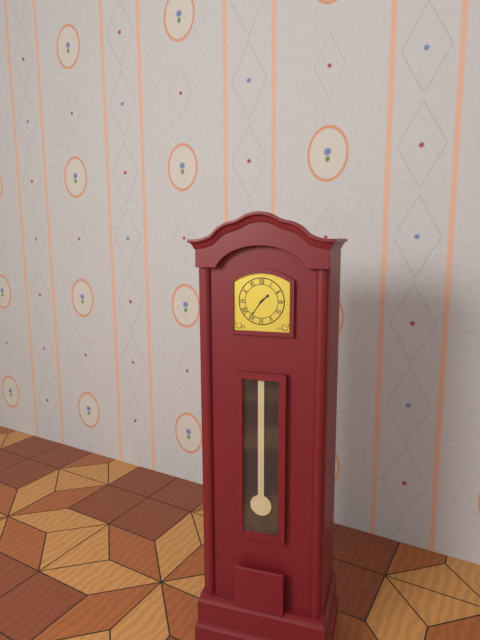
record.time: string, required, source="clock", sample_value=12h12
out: 1h36
